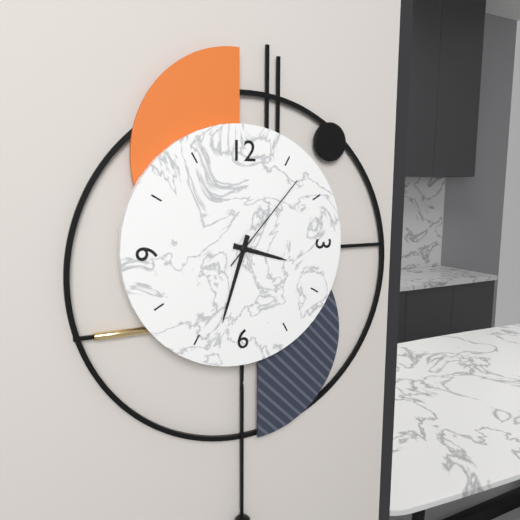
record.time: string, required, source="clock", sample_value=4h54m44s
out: 3h33m07s
